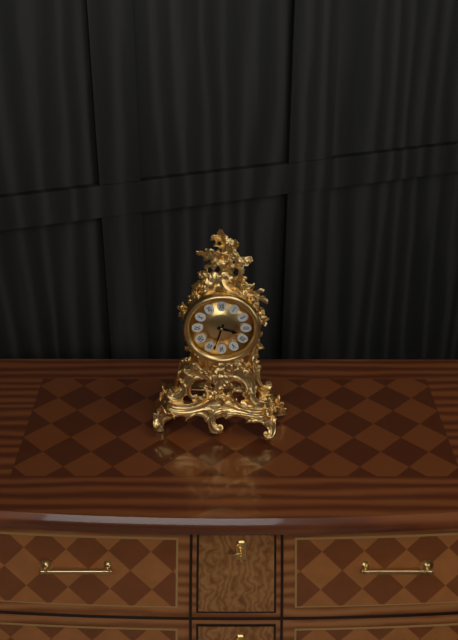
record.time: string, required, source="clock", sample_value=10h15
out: 3h33
